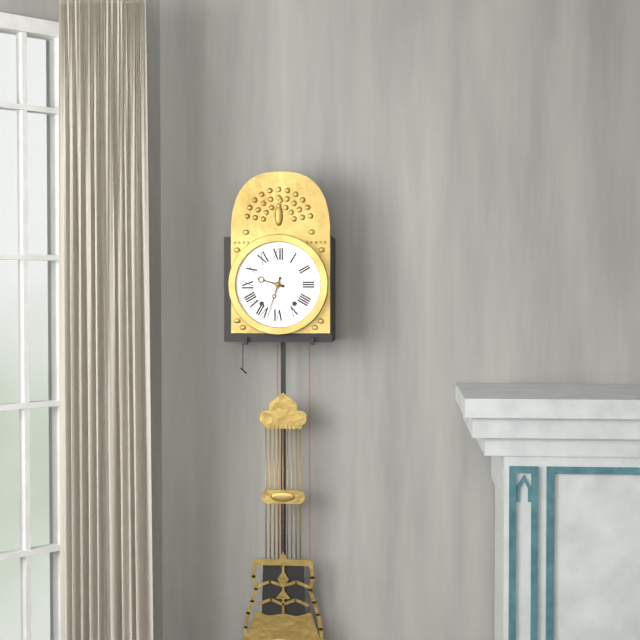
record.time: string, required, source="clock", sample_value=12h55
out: 9h33
